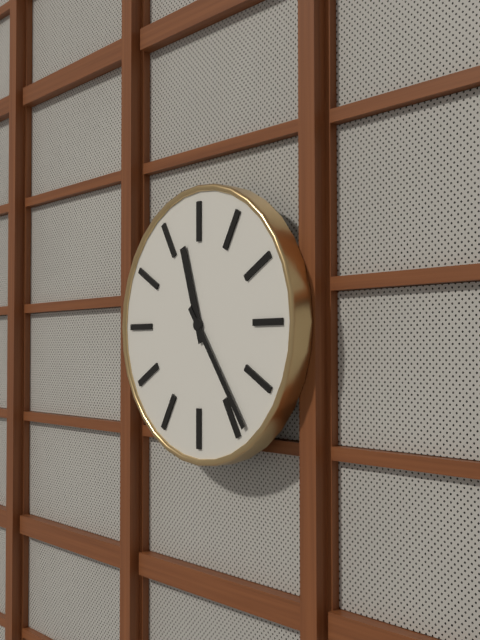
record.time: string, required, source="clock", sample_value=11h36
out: 11h24
